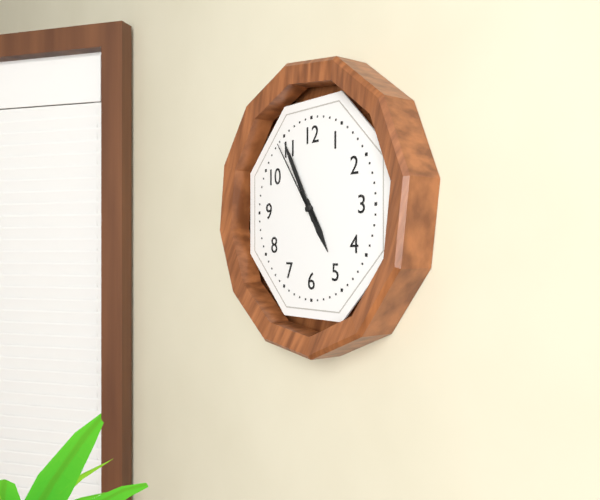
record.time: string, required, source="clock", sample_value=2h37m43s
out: 4h55m54s
